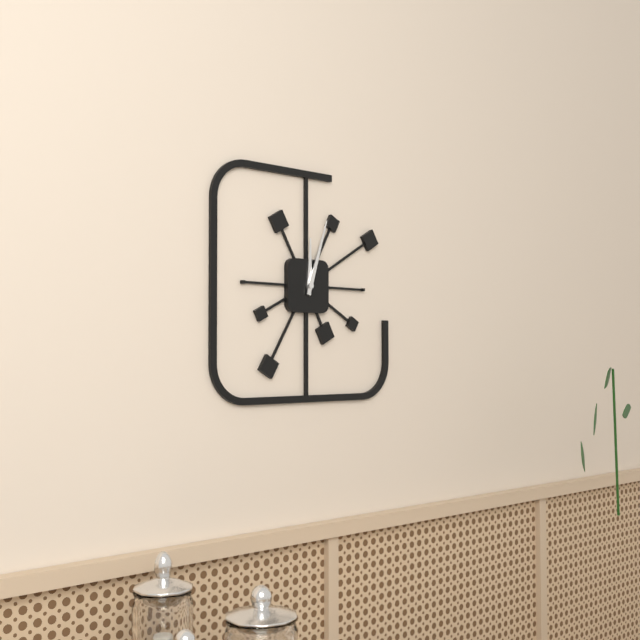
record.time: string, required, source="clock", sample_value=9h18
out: 12h03
